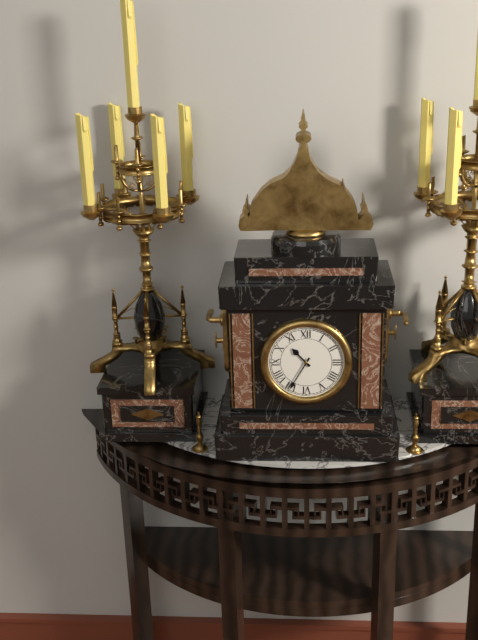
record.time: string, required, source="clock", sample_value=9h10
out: 10h35
